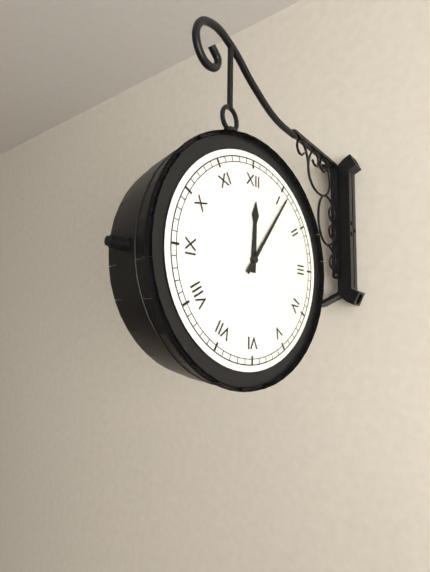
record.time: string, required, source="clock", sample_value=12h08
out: 12h06
